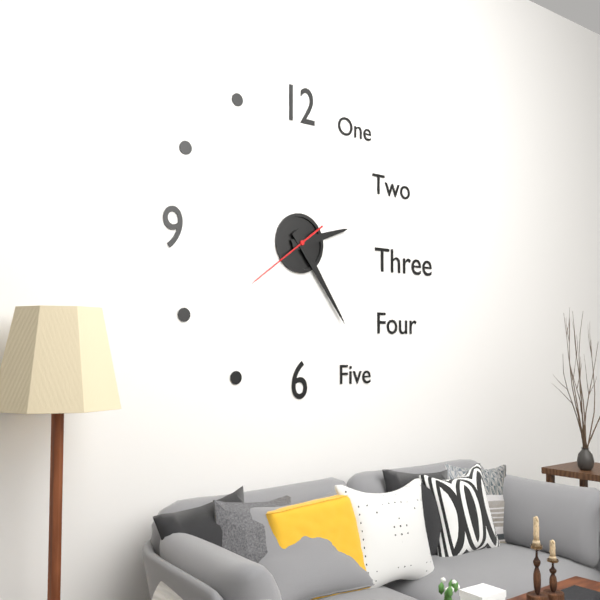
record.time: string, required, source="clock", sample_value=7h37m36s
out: 2h24m39s
